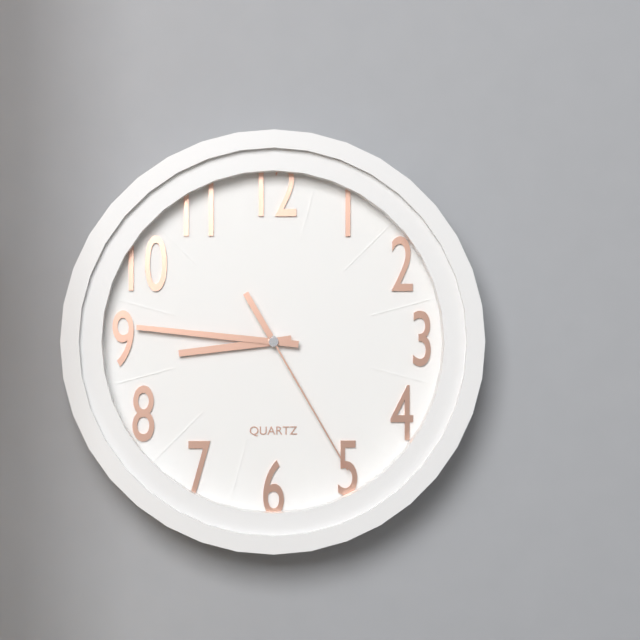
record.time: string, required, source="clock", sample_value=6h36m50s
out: 8h46m25s
